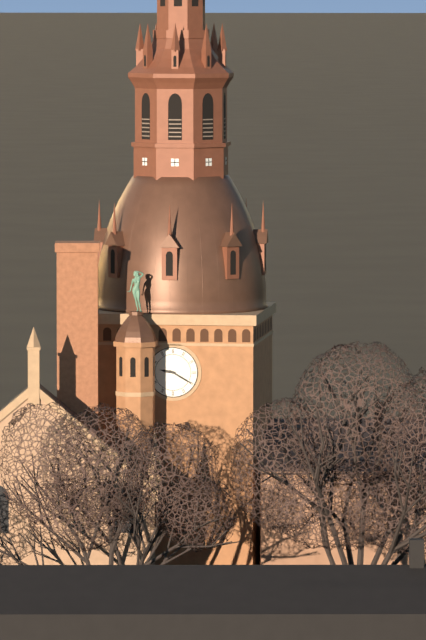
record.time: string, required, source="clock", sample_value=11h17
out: 9h20
